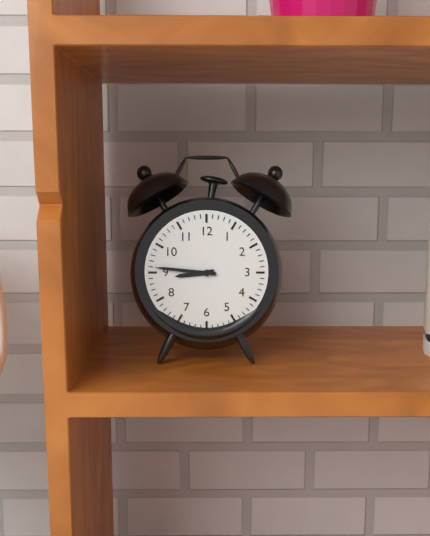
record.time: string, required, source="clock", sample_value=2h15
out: 8h46
